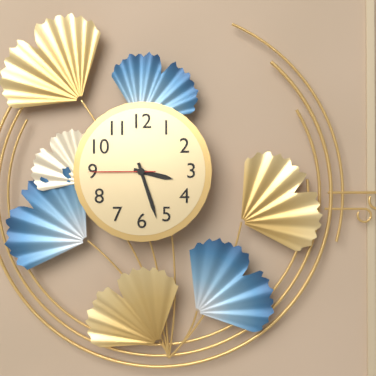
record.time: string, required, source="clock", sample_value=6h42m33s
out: 3h27m45s
